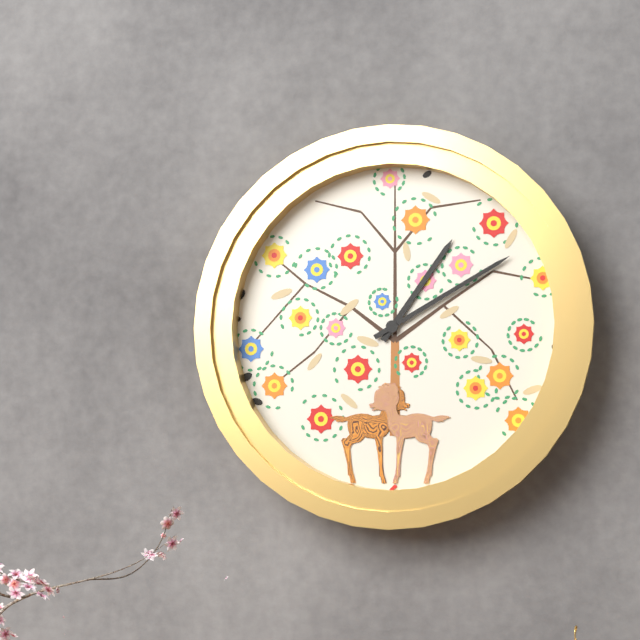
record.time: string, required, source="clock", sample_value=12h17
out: 1h10
